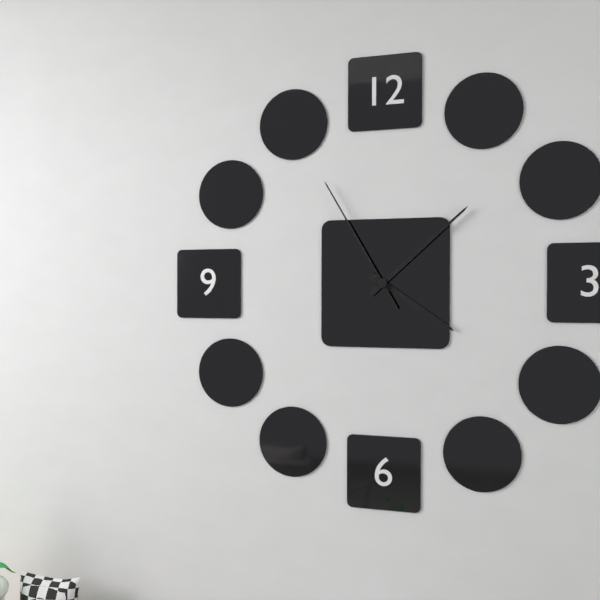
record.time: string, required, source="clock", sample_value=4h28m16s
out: 4h08m55s
